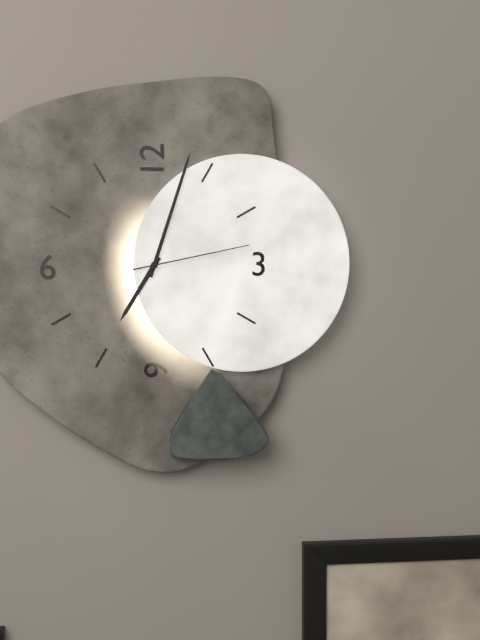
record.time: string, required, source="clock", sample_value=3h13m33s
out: 7h03m13s
